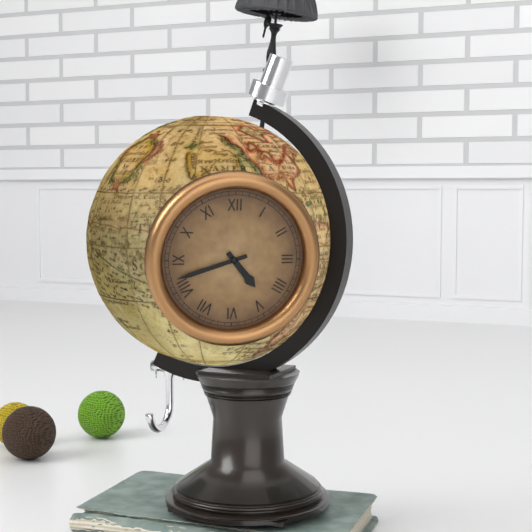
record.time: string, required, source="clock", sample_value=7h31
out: 4h42
